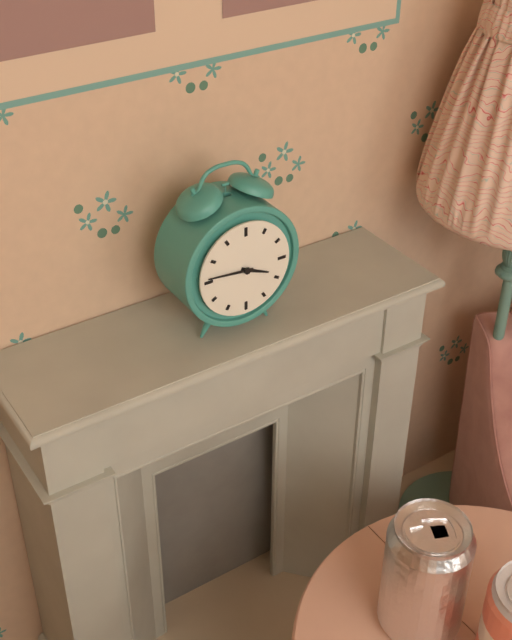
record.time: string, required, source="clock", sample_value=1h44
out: 3h46
